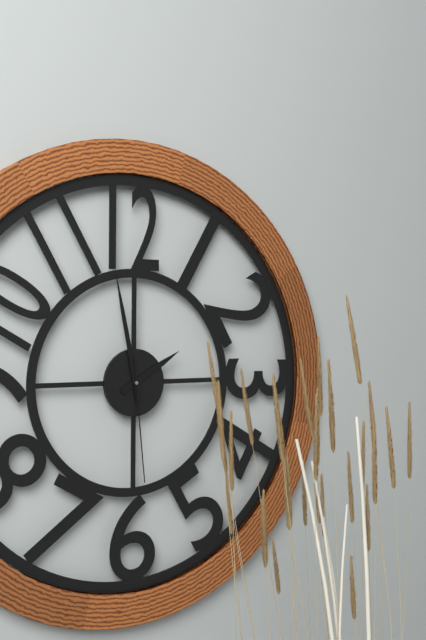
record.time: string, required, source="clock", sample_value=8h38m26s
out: 1h58m29s
